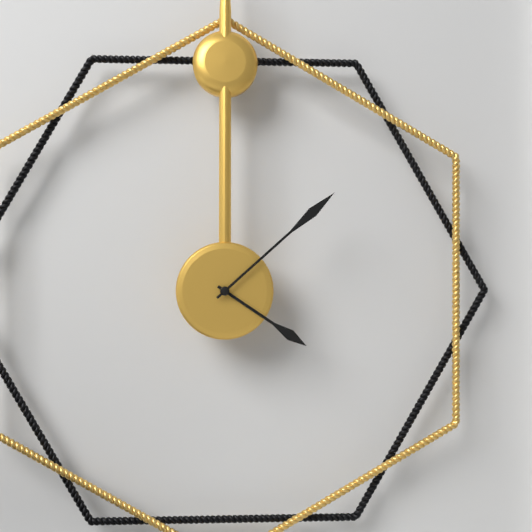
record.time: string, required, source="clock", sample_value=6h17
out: 4h08
